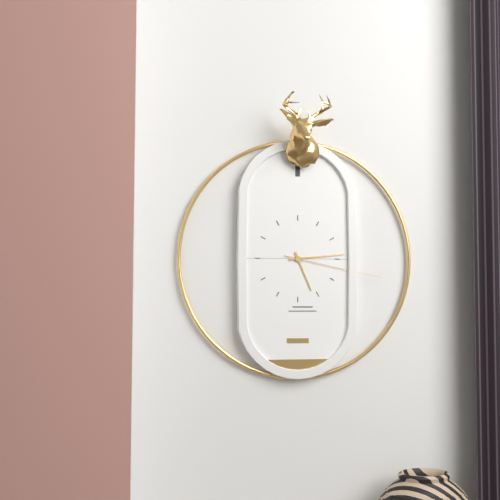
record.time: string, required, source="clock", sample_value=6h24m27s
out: 5h14m17s
